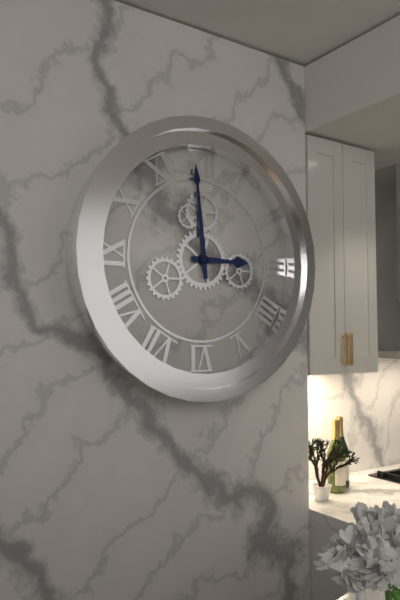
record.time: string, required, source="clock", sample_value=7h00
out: 2h59
